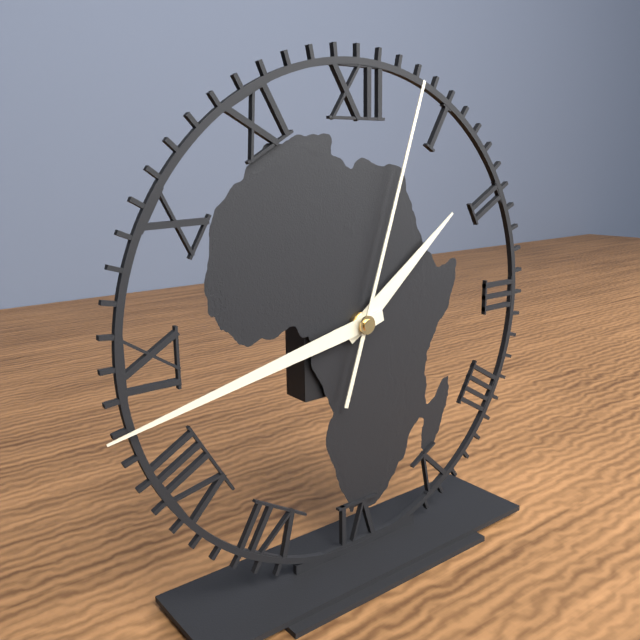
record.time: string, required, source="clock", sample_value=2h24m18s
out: 1h43m03s
